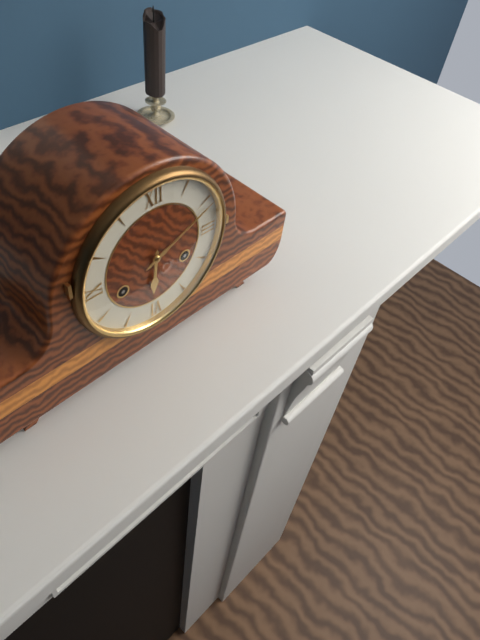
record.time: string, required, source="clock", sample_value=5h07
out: 6h11
